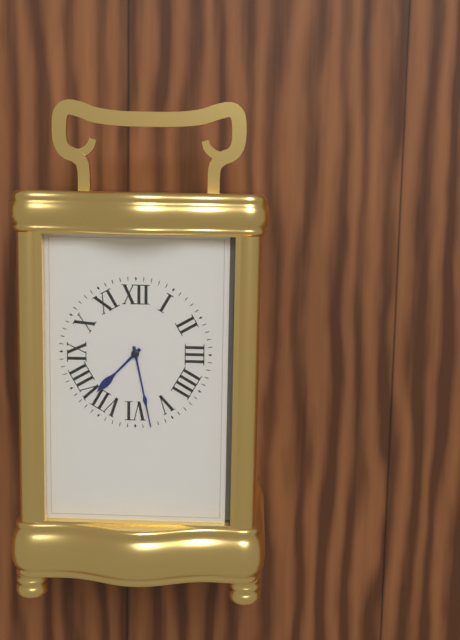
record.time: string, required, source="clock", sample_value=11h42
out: 7h28
